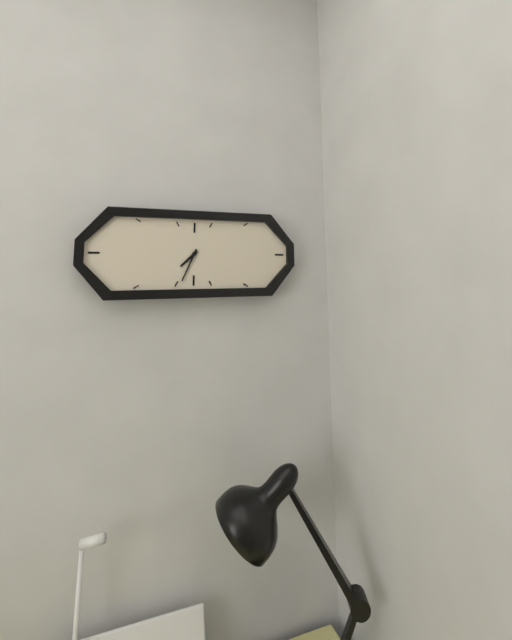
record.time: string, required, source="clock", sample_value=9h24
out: 7h34
